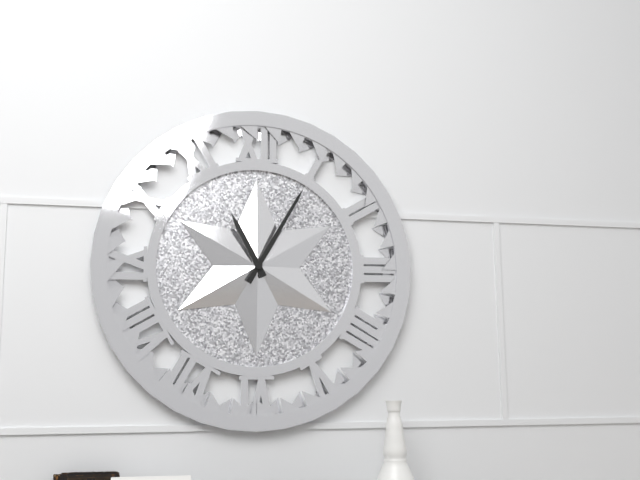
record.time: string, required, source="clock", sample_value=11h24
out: 11h05
